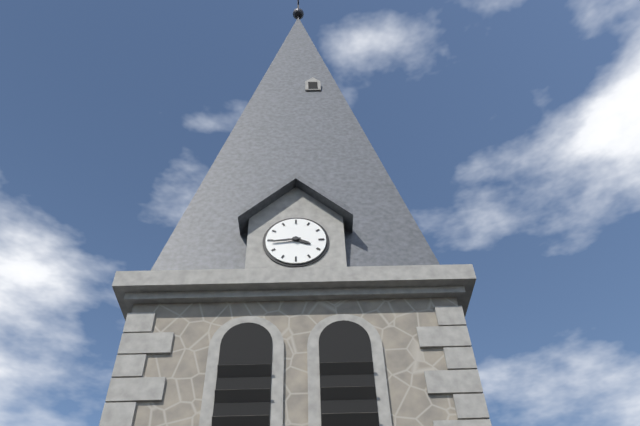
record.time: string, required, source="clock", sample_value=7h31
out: 3h44
